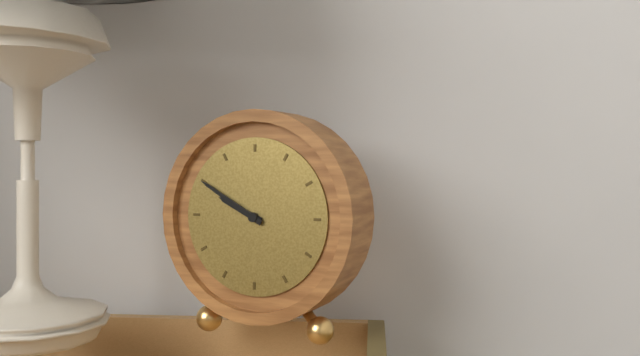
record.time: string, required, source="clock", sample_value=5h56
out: 9h50
